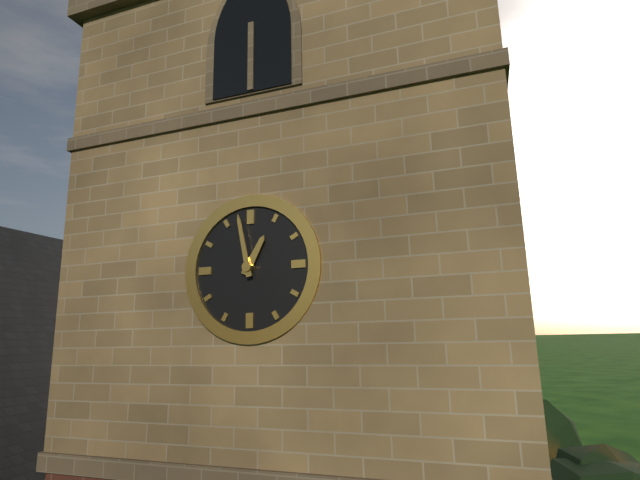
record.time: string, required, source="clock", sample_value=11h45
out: 12h58
